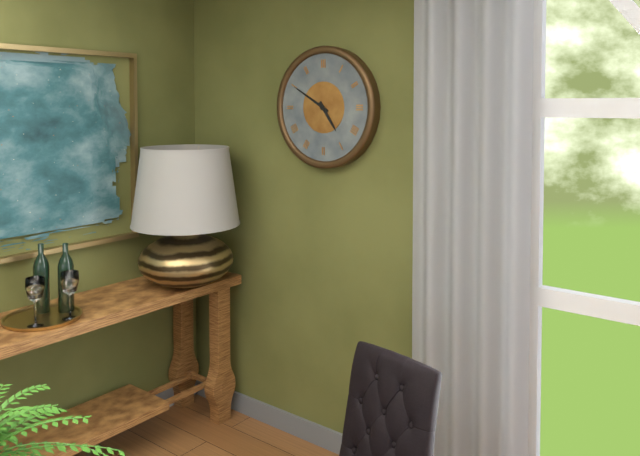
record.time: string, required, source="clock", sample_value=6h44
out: 4h50
